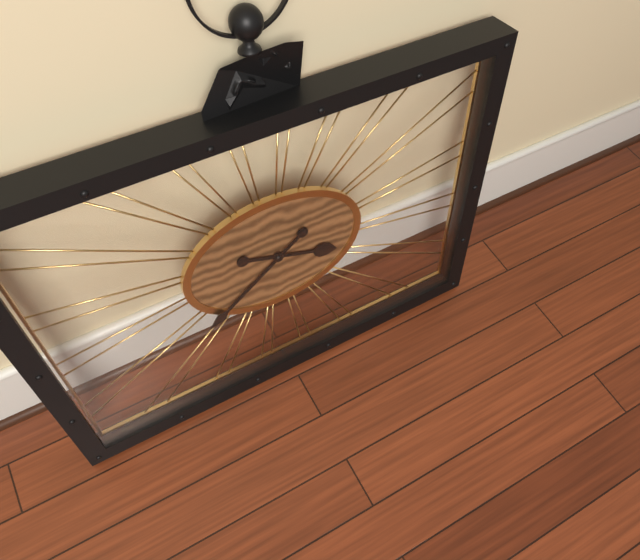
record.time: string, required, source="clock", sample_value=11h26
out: 3h39
